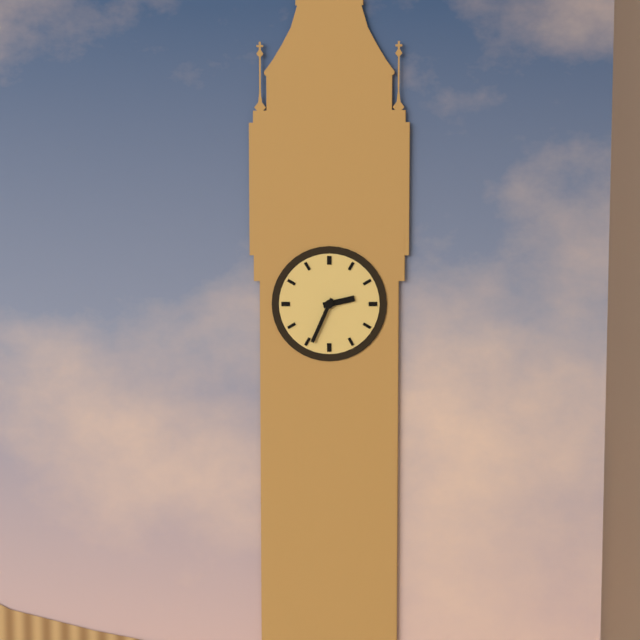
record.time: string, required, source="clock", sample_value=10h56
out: 2h34
